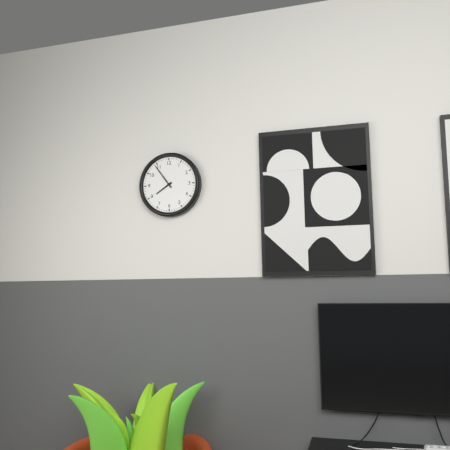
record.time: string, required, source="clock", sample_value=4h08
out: 7h54
